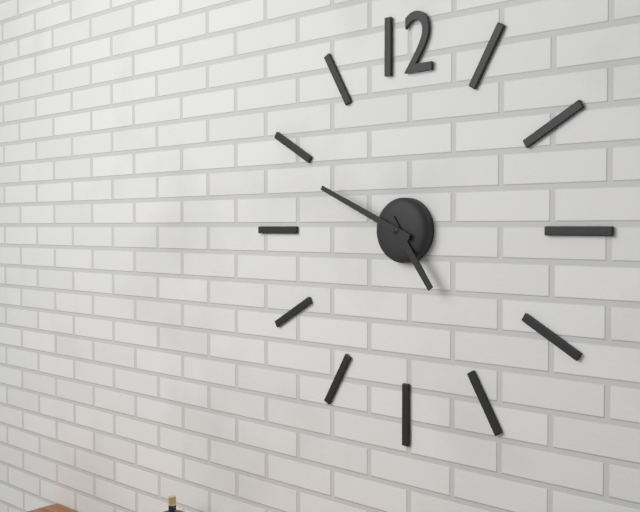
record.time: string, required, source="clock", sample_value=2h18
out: 4h49
